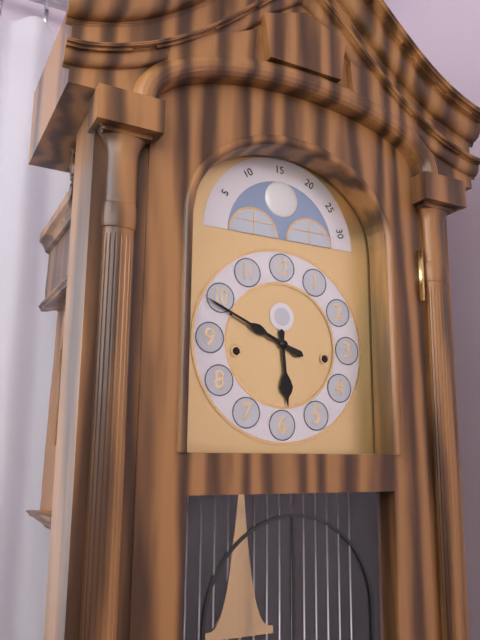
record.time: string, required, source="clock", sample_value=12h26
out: 5h49
